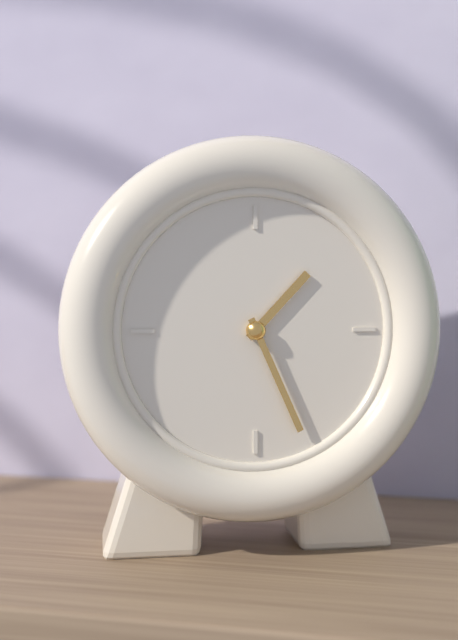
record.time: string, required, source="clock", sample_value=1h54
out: 1h26
